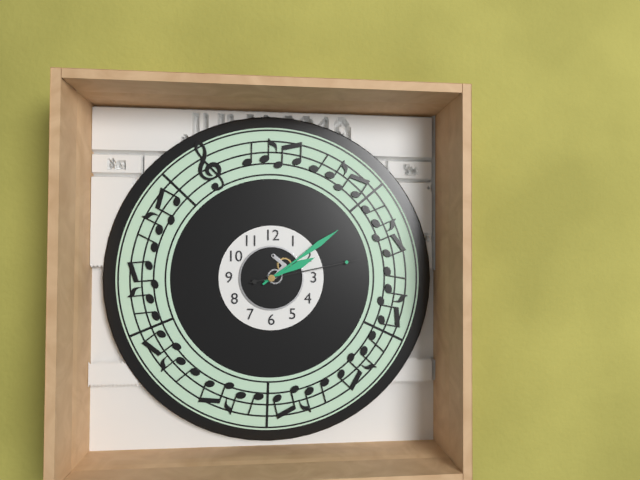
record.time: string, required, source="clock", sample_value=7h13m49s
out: 2h09m13s
